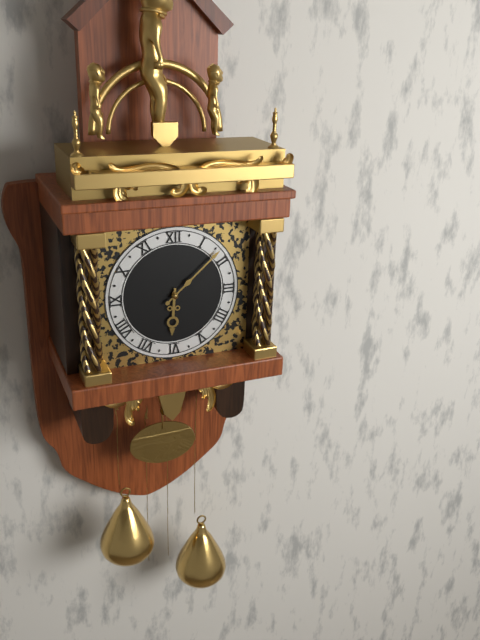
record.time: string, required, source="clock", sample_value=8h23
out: 6h08
